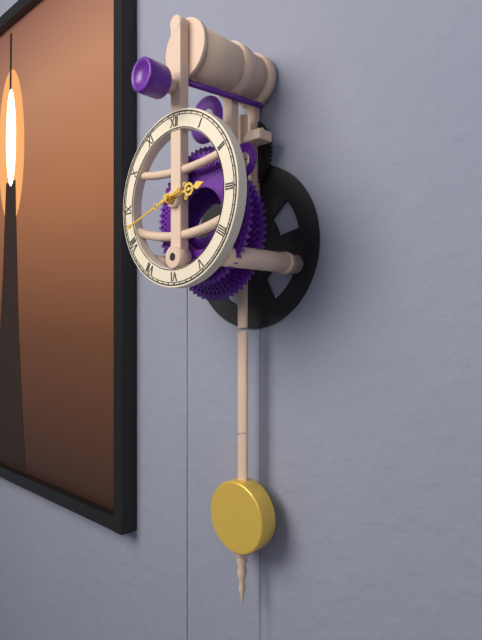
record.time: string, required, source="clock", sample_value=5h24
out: 2h42
